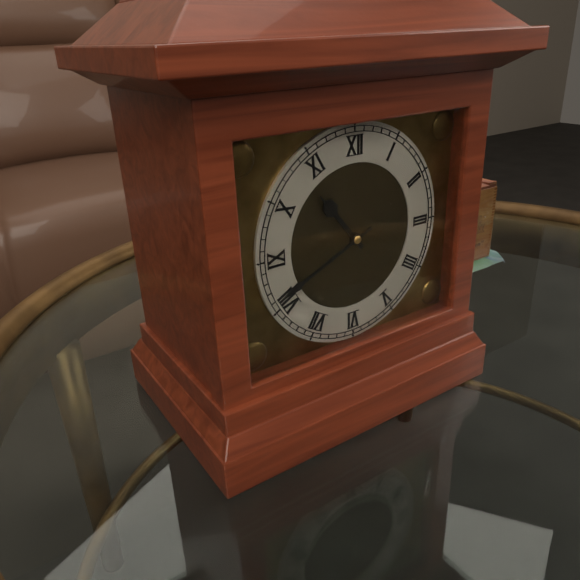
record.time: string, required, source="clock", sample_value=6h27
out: 10h41
